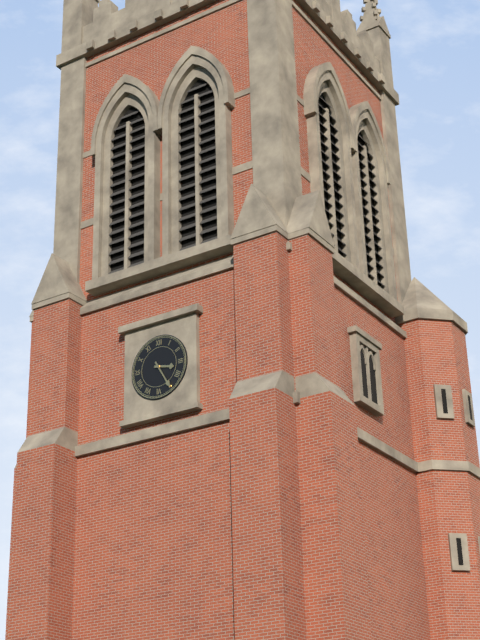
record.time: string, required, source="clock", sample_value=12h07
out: 3h25
